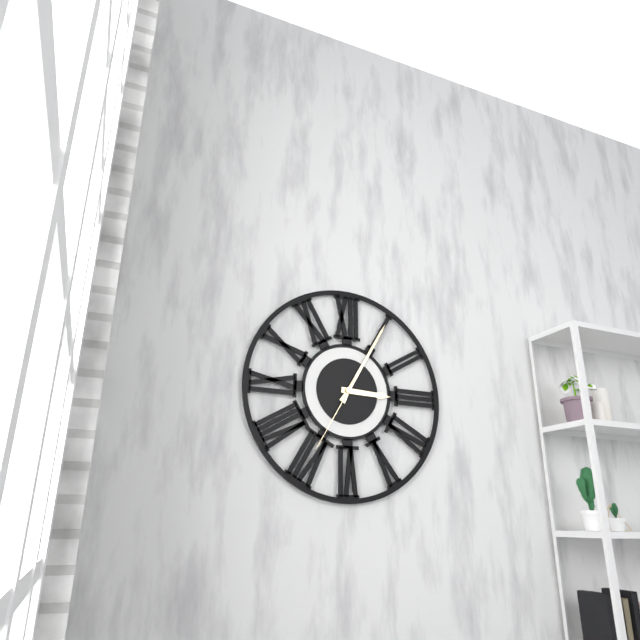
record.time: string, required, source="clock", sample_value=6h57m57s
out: 3h05m35s
